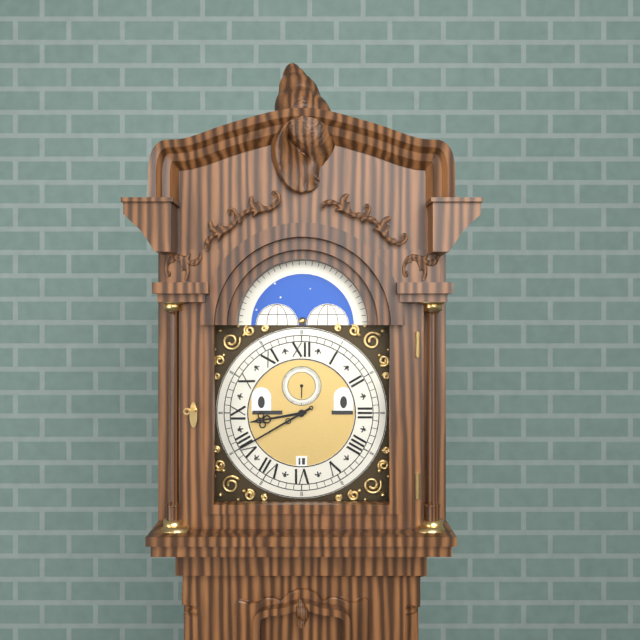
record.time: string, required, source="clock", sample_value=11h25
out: 8h40
